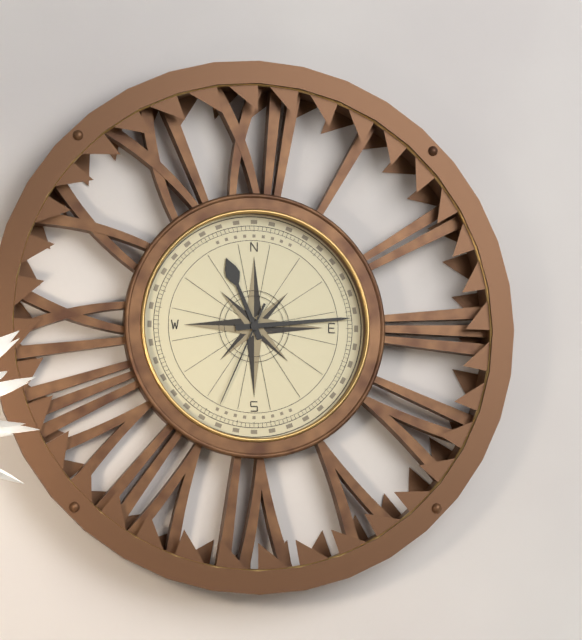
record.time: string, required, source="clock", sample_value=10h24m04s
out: 11h14m34s
